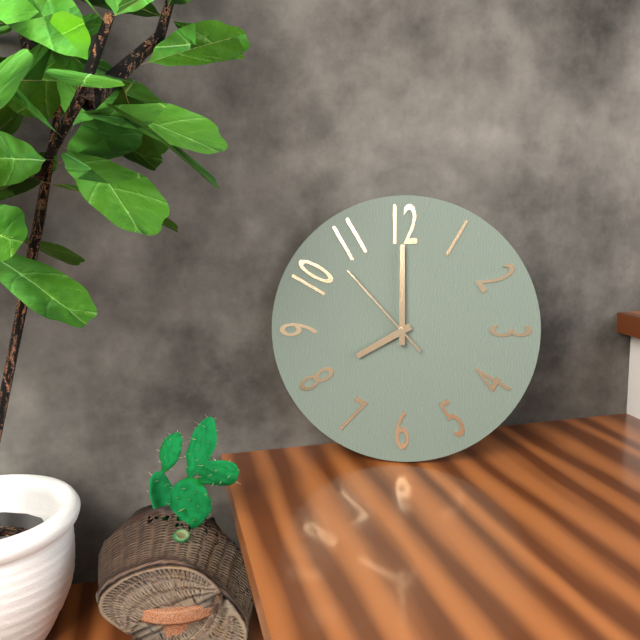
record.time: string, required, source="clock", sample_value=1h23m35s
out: 8h00m53s
